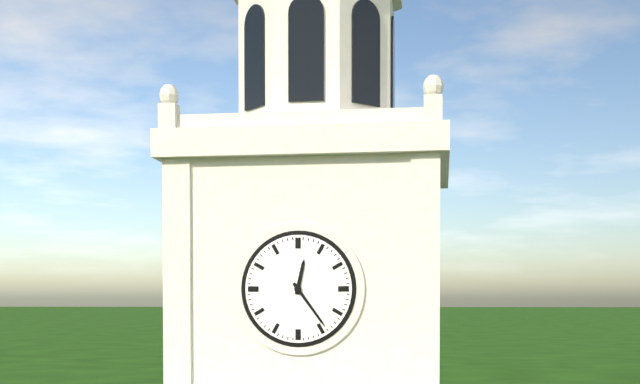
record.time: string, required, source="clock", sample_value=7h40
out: 12h24
